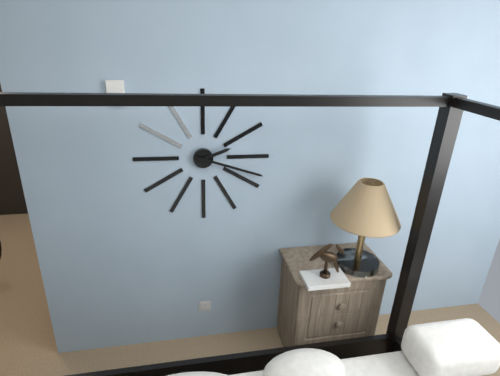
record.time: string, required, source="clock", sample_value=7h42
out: 2h18
